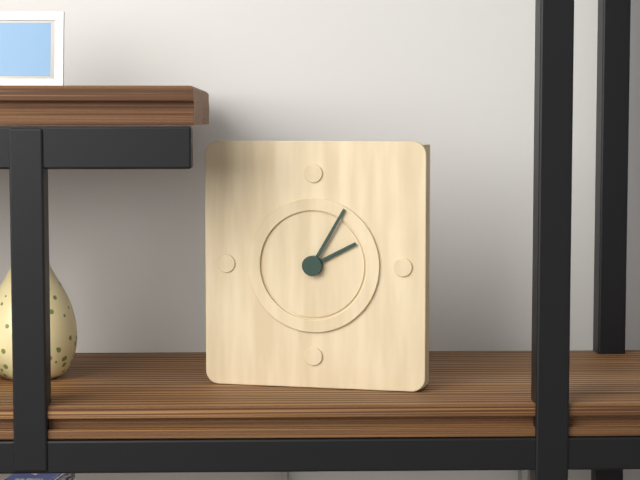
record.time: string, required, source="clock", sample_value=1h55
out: 2h05
